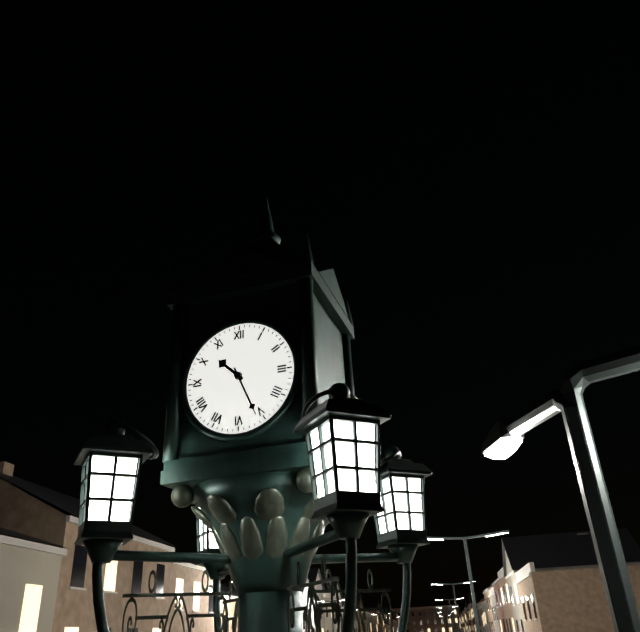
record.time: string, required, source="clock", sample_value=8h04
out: 10h26
